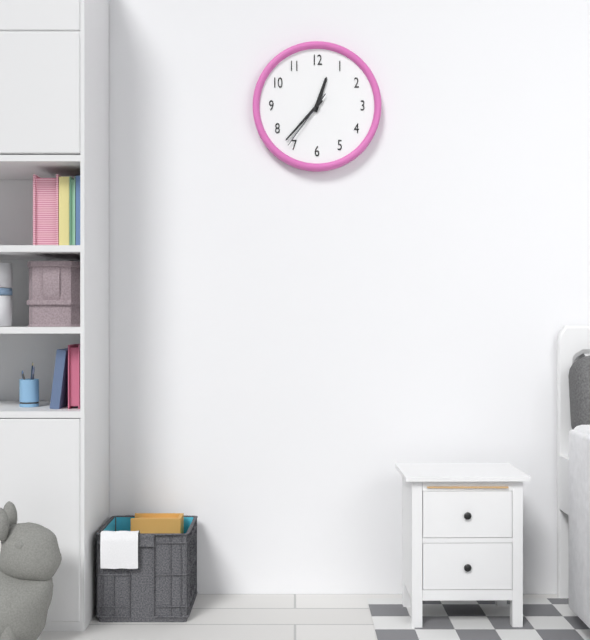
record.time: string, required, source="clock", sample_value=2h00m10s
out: 12h37m36s
